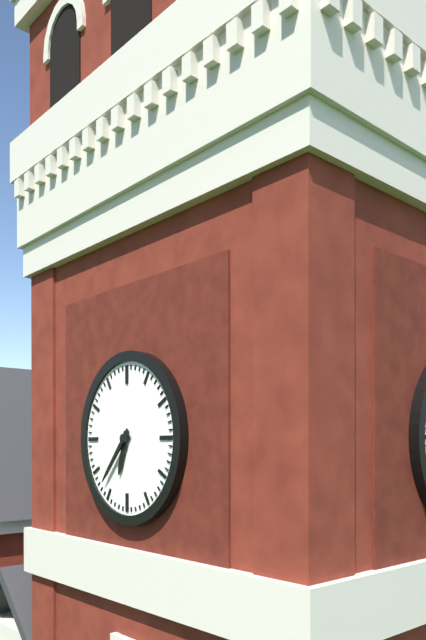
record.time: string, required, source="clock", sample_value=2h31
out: 6h37
